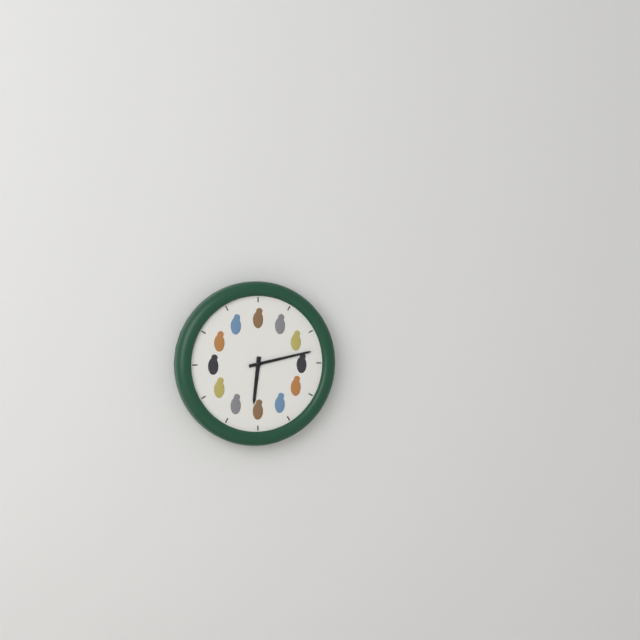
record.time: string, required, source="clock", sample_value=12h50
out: 6h13
